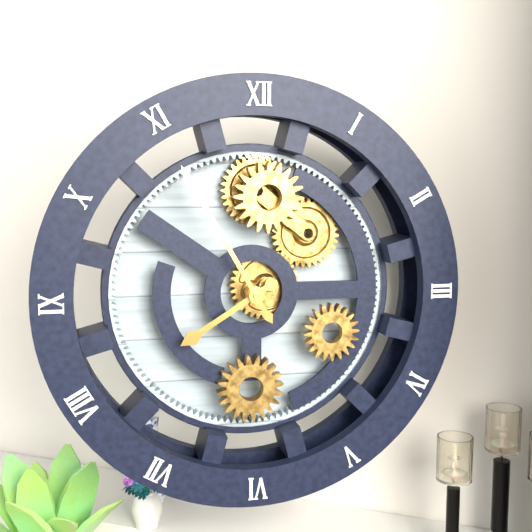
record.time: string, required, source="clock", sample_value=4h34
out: 7h55
